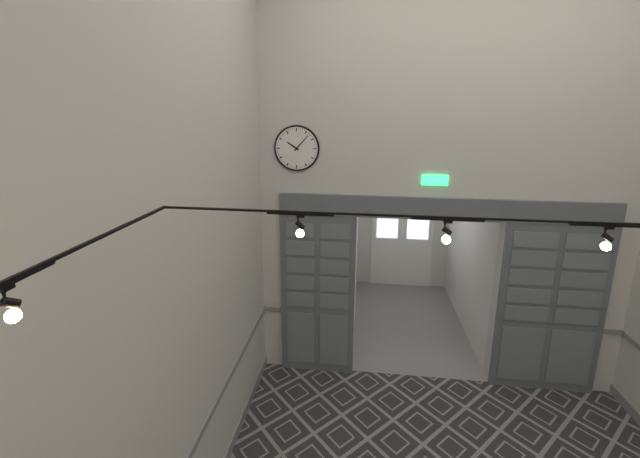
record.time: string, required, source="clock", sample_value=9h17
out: 10h07
